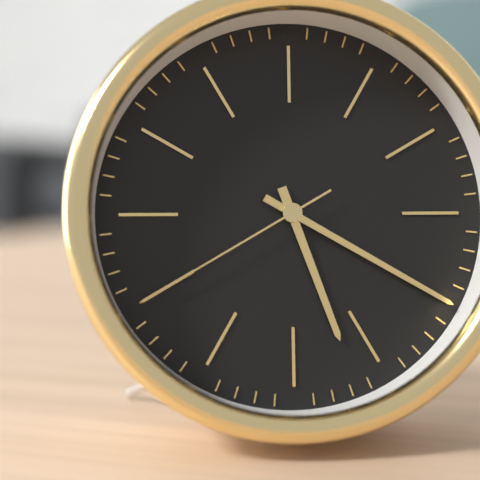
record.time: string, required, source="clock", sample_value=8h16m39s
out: 5h20m40s
